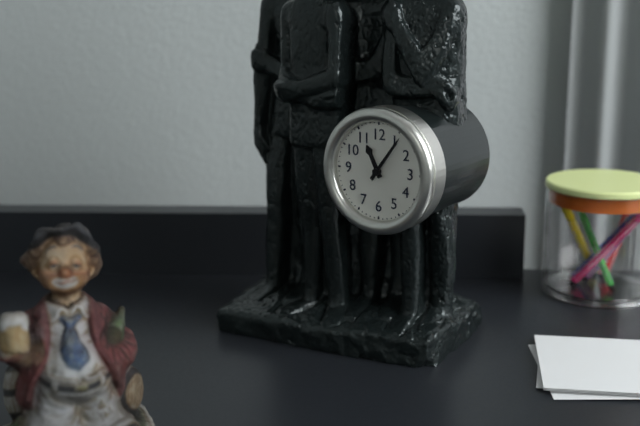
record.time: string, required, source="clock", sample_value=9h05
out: 11h06
